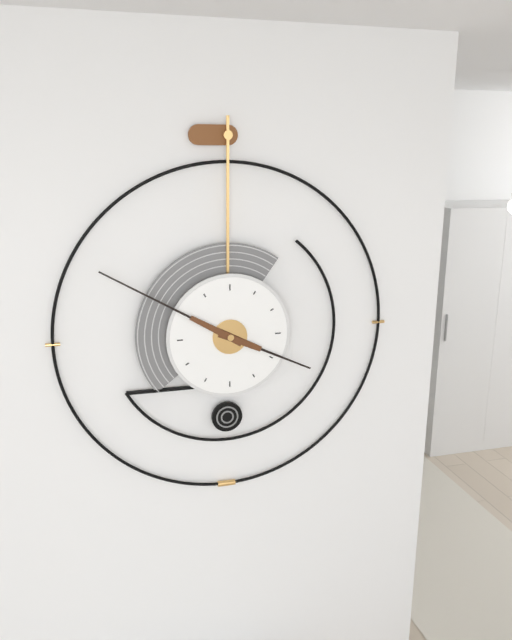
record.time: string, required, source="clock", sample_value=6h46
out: 3h50
